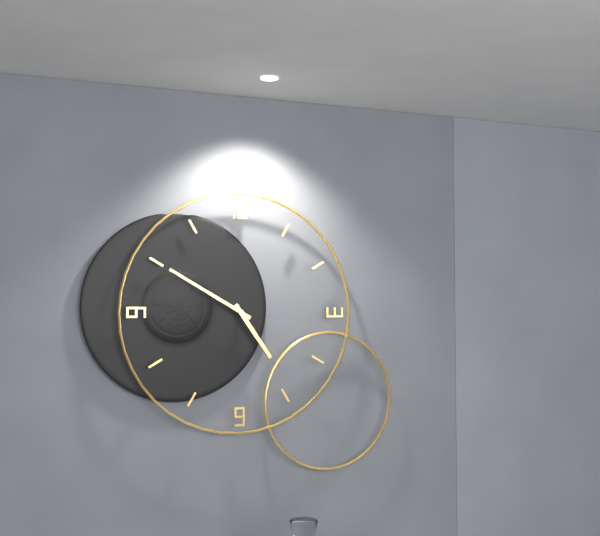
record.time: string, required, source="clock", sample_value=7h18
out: 4h50
